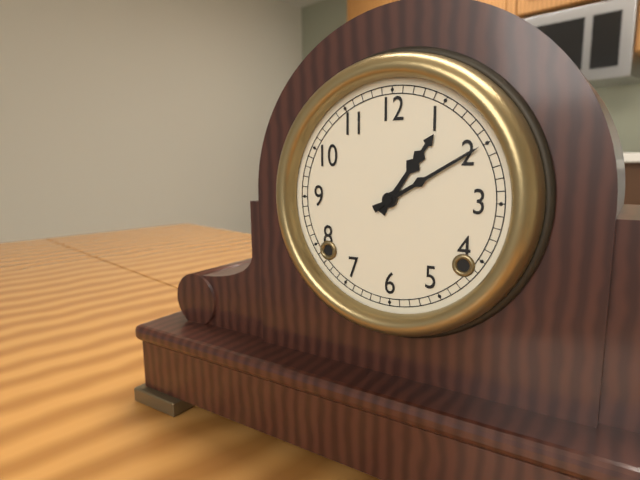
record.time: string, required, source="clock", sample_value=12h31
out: 1h10
